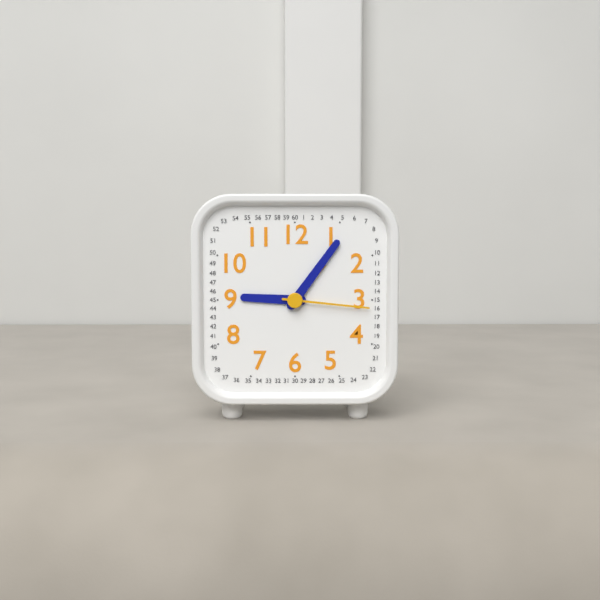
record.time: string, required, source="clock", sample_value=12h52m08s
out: 9h06m16s
